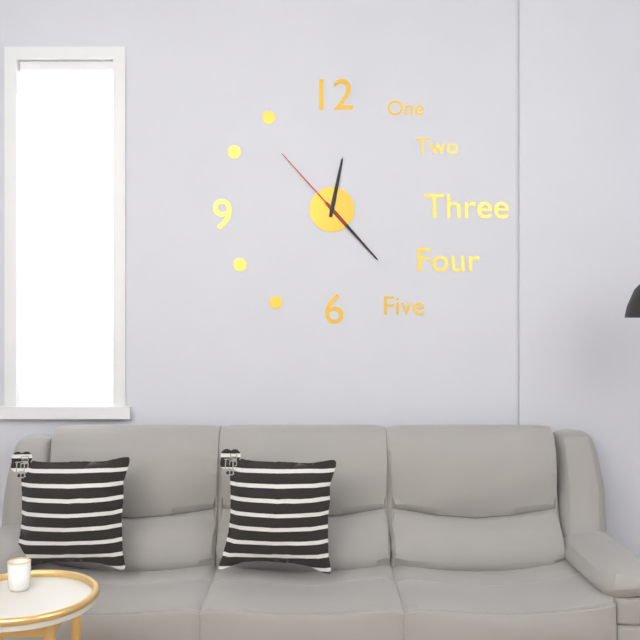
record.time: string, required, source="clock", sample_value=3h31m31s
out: 12h23m53s
